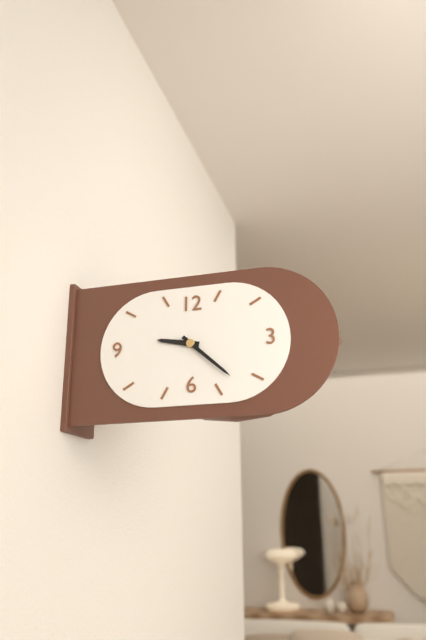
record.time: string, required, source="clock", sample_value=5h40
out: 9h22
